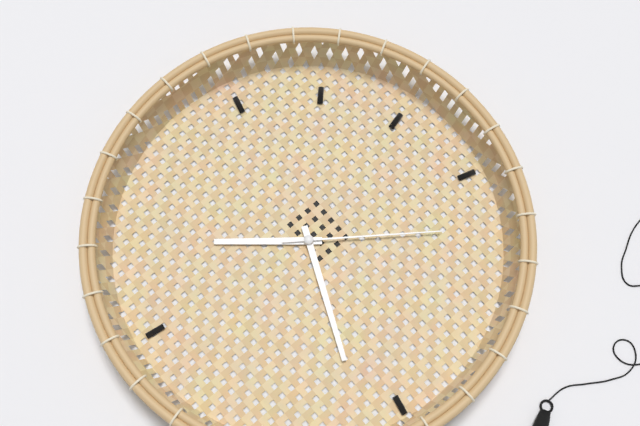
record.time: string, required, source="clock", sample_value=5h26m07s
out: 7h19m06s
